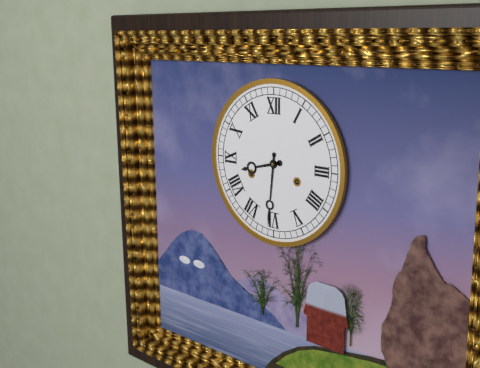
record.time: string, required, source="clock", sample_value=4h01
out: 8h31
